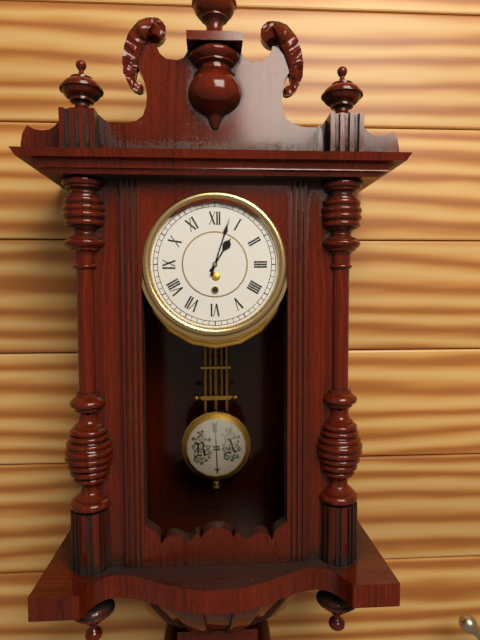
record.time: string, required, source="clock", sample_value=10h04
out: 1h03
